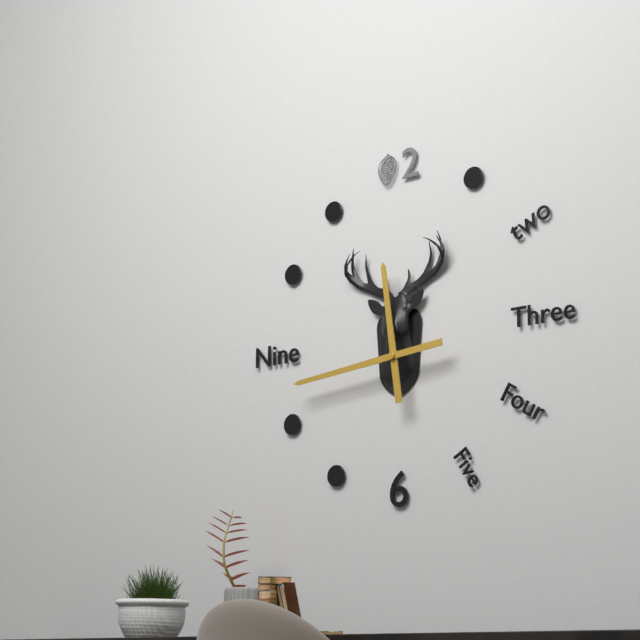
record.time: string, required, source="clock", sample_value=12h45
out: 11h44
